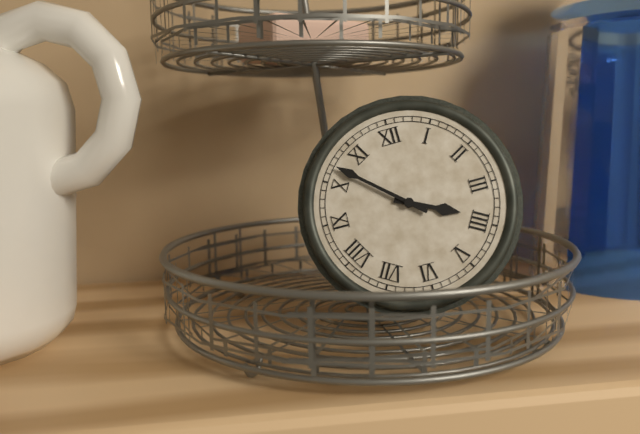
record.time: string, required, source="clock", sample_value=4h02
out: 3h52
